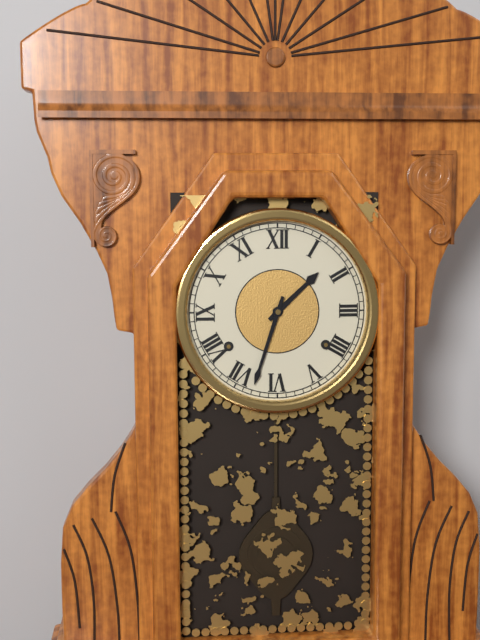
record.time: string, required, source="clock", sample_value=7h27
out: 1h33
